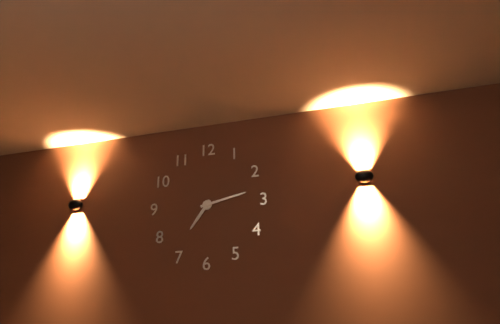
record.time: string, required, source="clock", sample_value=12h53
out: 7h13
